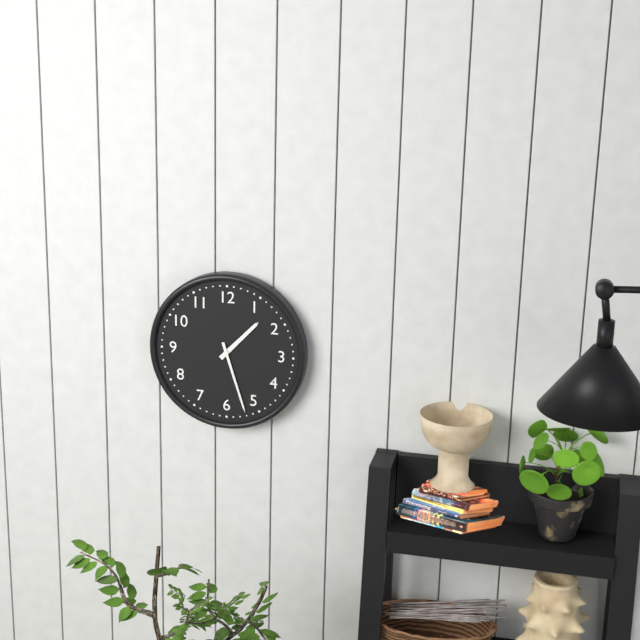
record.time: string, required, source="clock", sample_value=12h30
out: 1h27
